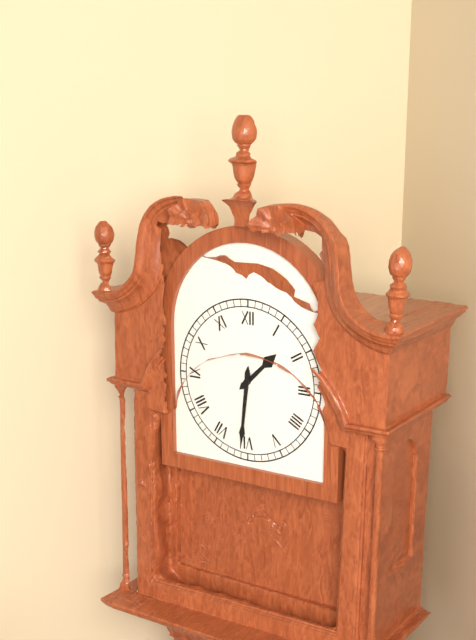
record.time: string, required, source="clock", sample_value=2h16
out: 1h31
